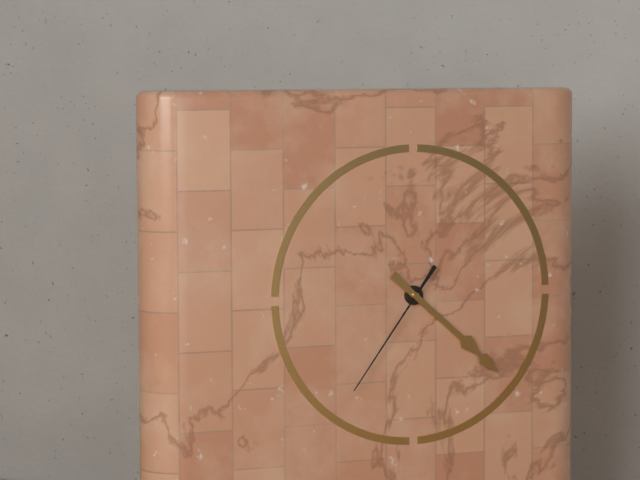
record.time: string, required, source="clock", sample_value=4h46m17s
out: 4h22m36s
